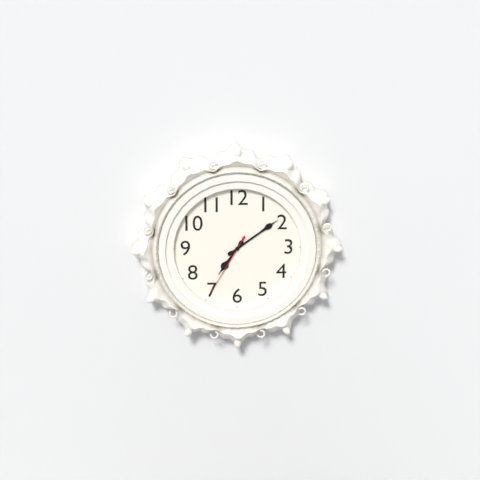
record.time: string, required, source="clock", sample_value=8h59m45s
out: 7h09m35s
